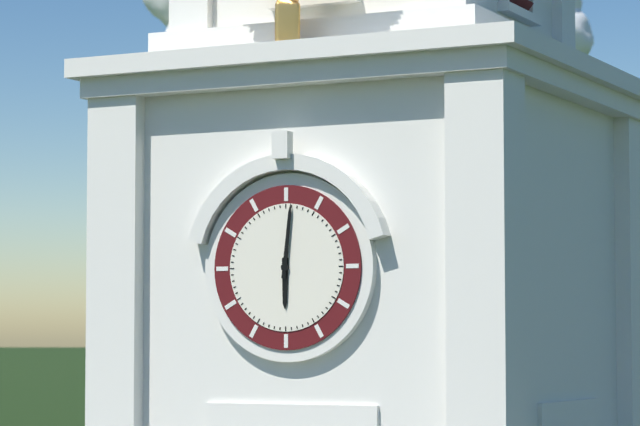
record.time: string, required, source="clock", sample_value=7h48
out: 6h01
